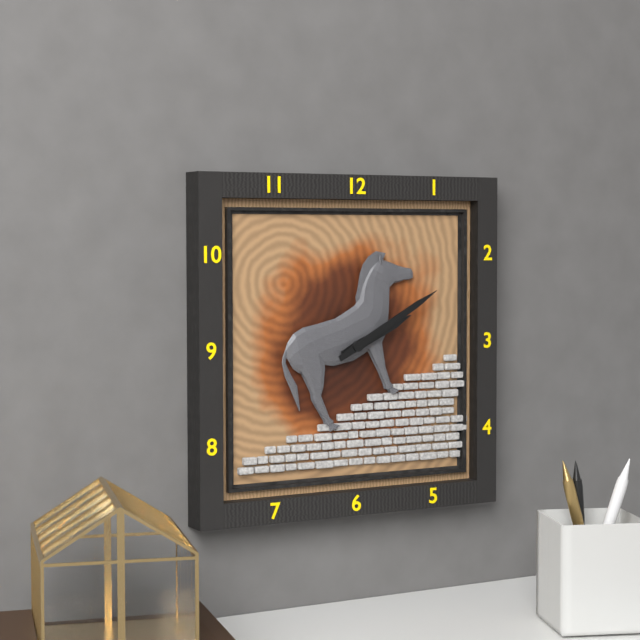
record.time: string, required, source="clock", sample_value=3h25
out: 2h10
